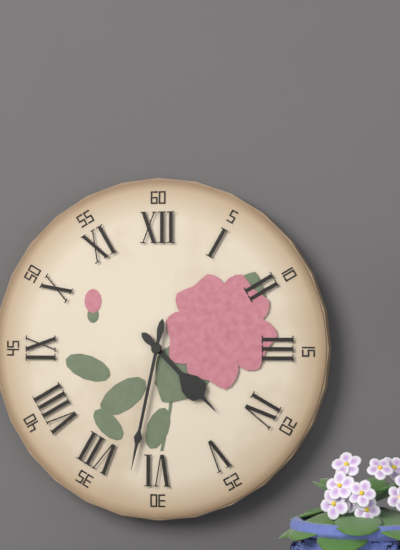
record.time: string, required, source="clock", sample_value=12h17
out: 4h32
